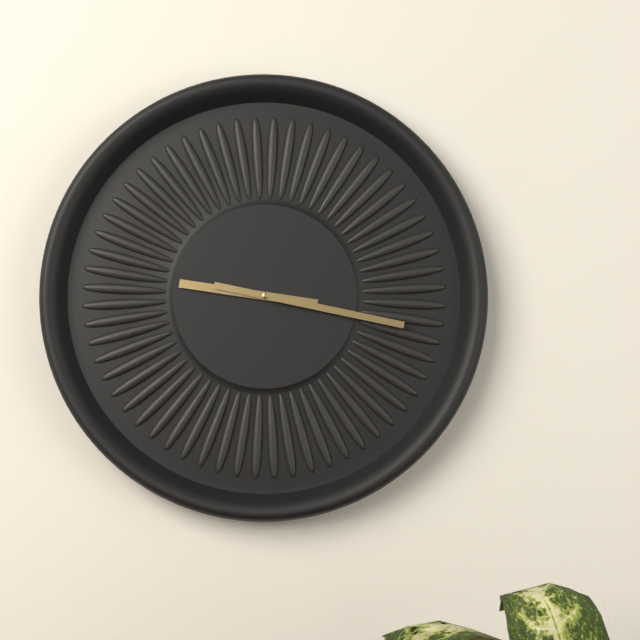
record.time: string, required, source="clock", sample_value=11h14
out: 9h17
